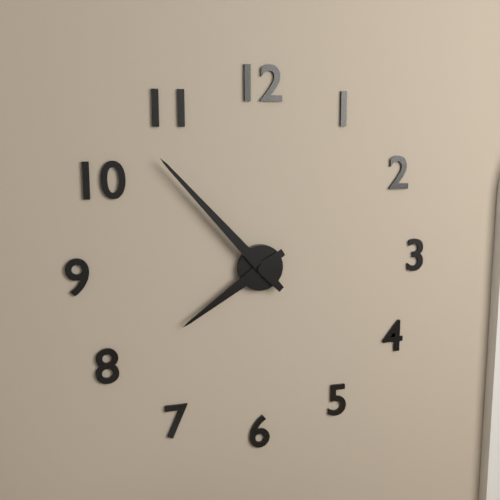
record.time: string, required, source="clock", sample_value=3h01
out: 7h53
